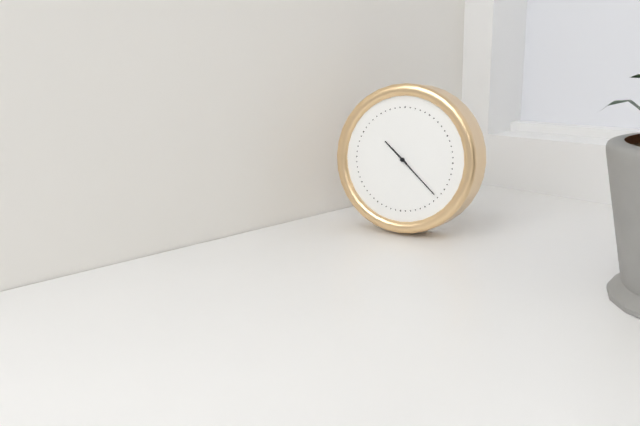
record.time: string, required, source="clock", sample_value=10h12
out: 10h22
